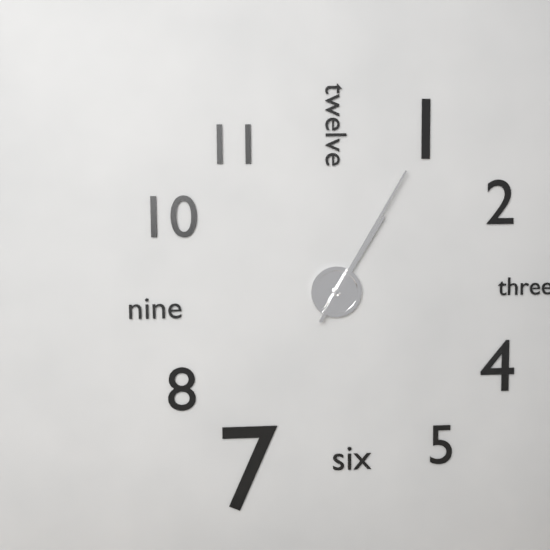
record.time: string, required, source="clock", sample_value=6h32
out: 1h05
